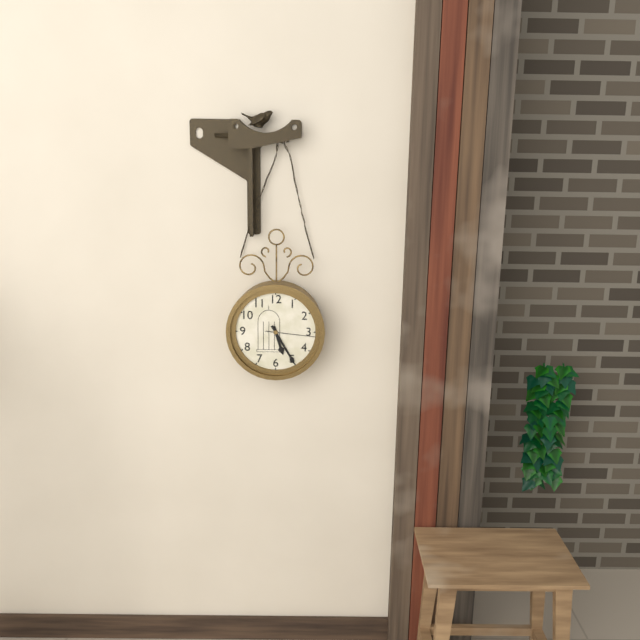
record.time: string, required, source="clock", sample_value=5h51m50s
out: 5h25m16s
